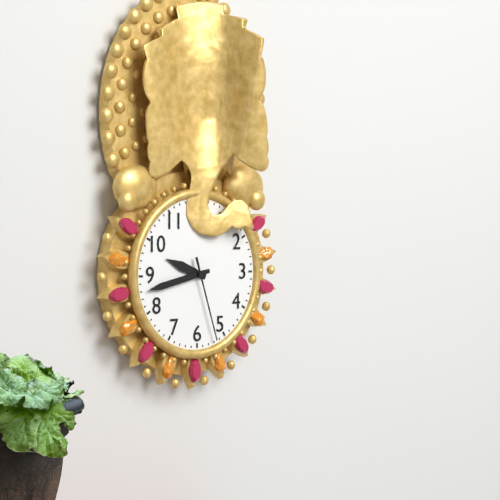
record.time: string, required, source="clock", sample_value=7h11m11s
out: 9h43m27s
